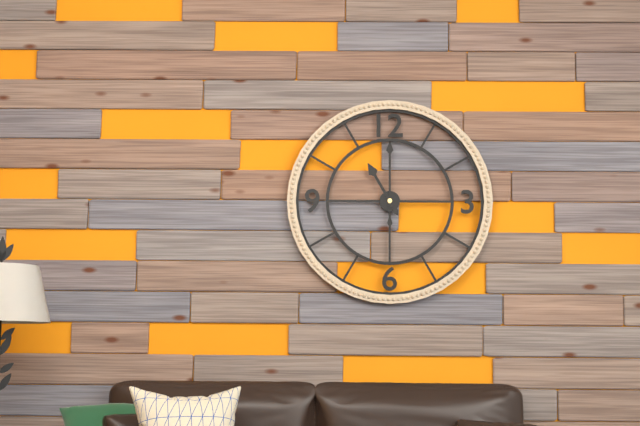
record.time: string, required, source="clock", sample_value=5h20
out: 11h00
